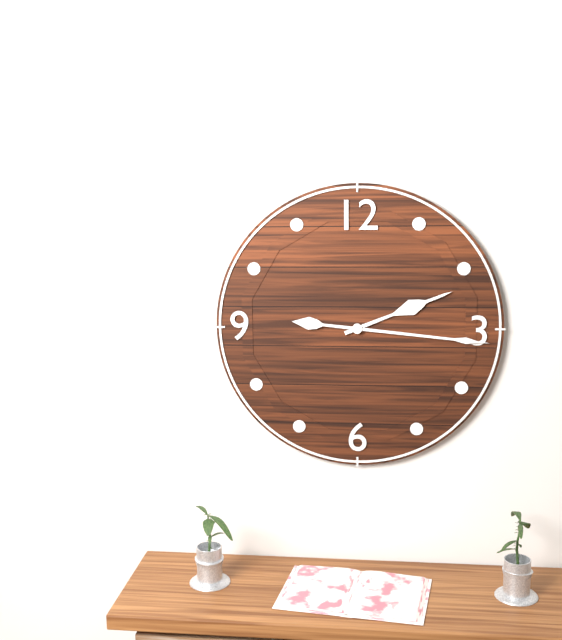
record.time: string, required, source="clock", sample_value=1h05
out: 2h16
